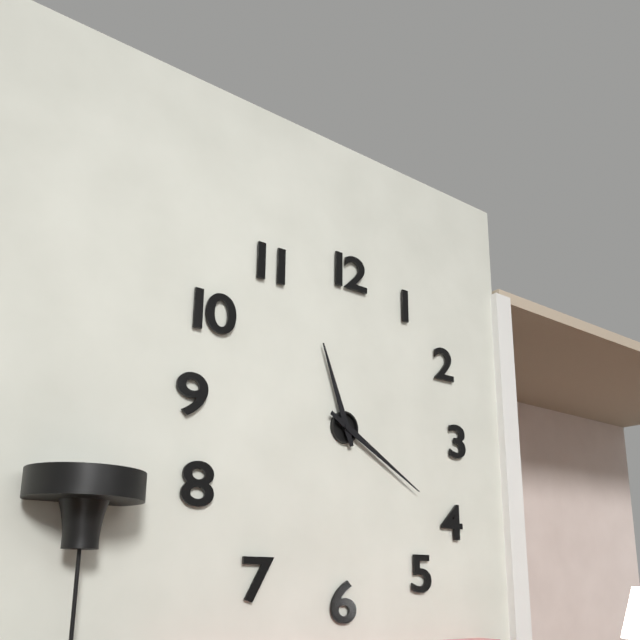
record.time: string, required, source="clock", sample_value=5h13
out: 11h20
